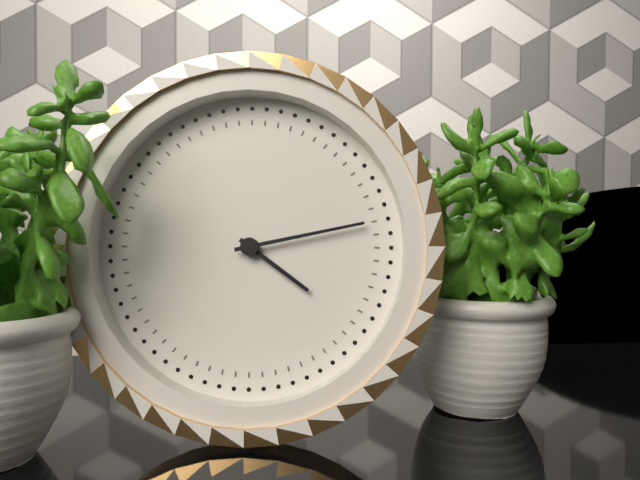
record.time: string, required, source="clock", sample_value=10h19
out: 4h13
